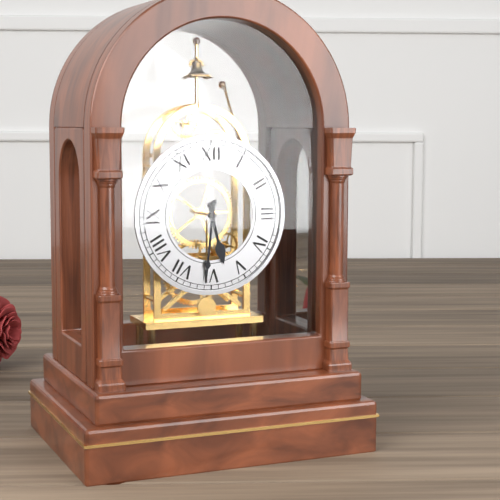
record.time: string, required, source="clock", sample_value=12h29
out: 5h31
